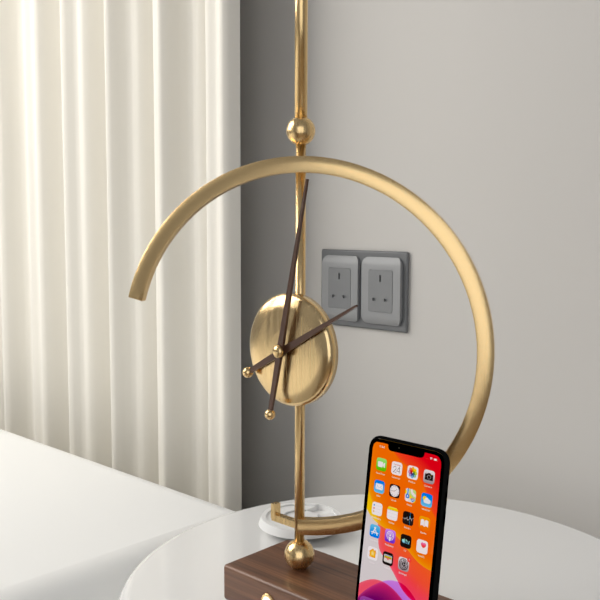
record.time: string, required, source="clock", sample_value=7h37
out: 2h02
